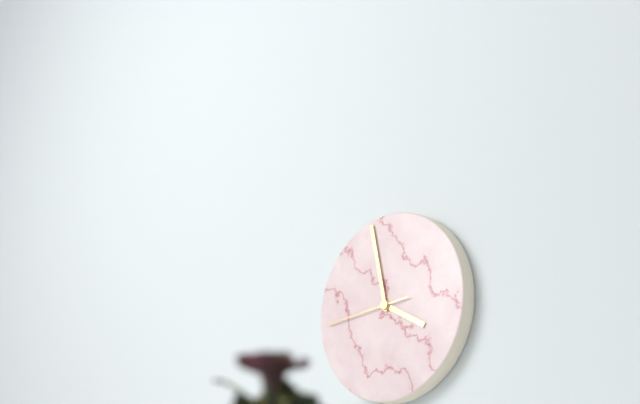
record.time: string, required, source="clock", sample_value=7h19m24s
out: 3h58m44s
